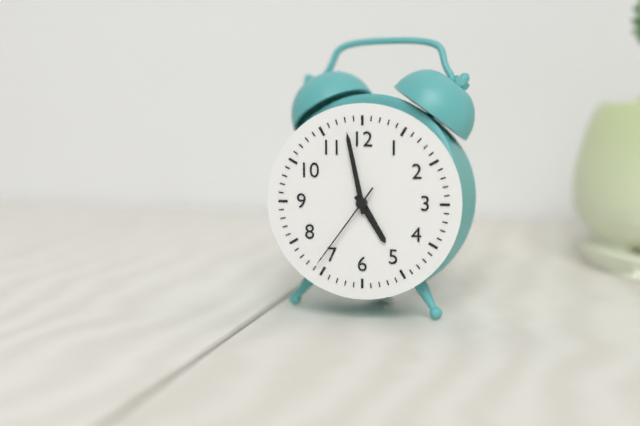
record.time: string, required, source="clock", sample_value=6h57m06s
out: 4h58m36s
